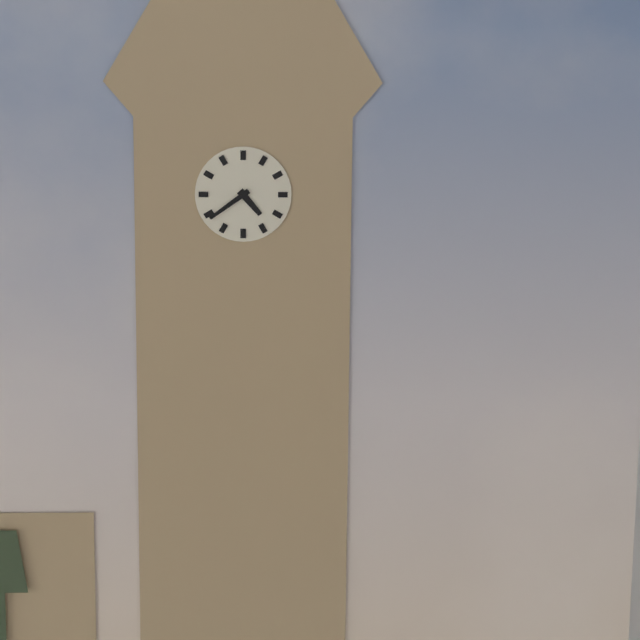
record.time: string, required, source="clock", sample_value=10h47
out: 4h39
